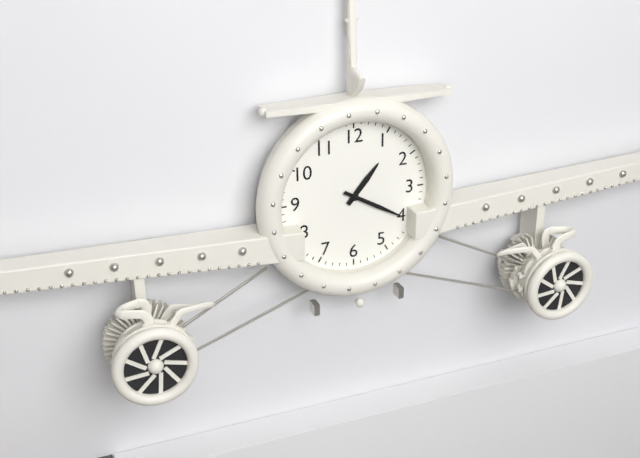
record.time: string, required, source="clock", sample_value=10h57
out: 1h20
